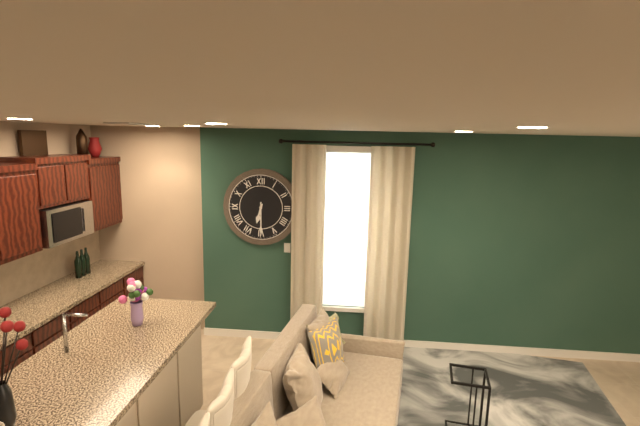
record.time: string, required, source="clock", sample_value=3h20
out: 6h30
